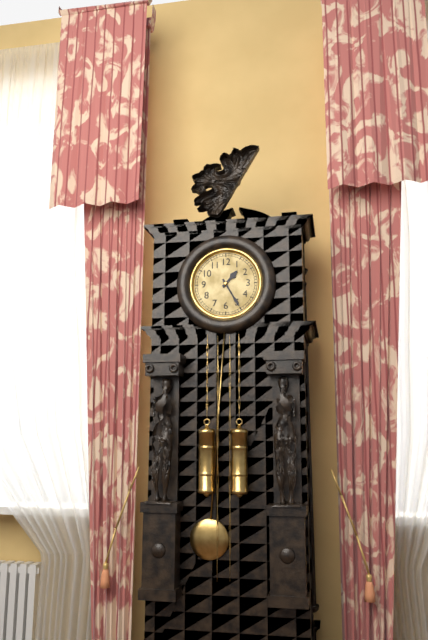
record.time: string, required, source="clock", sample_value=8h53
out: 1h25
